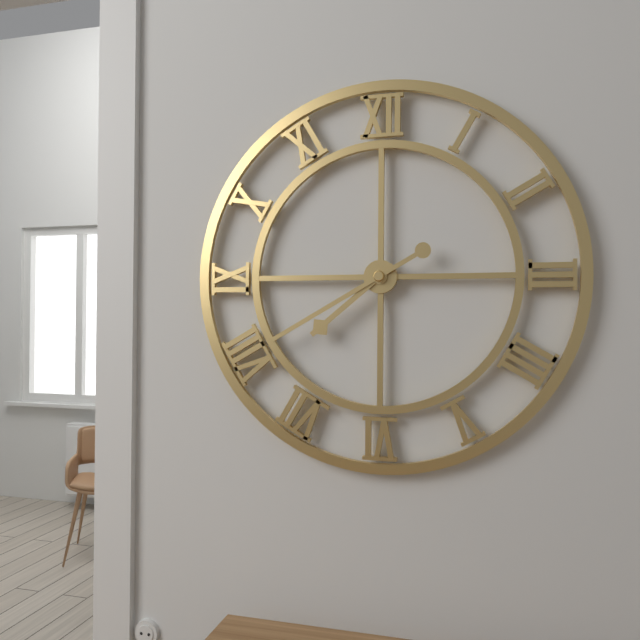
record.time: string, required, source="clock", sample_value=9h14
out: 7h40
